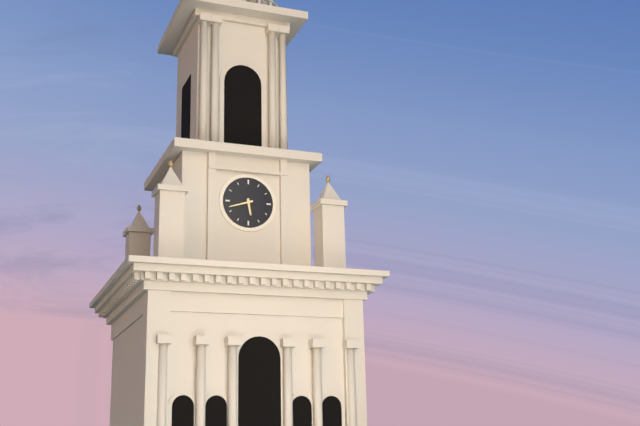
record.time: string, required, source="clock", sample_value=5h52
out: 5h42
